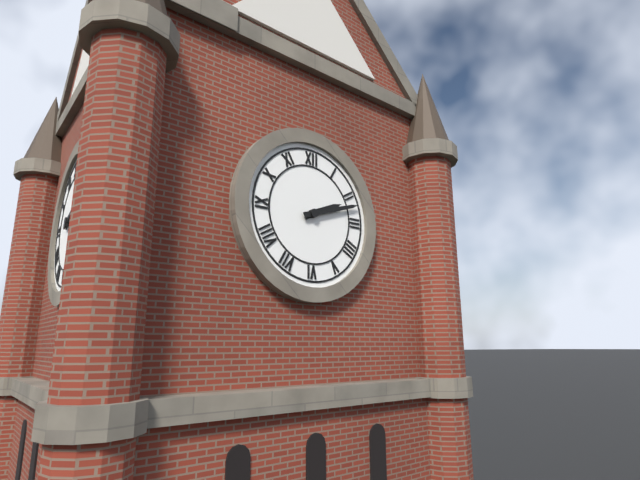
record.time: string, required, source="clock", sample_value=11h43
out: 2h12
